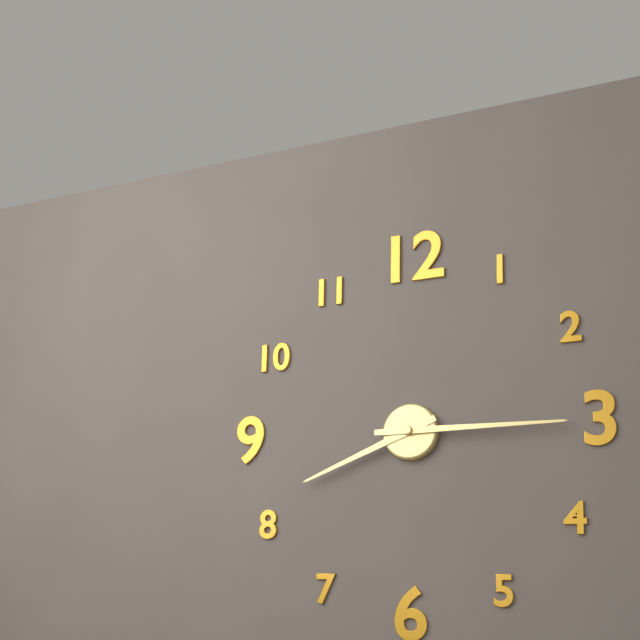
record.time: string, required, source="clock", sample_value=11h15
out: 8h15
